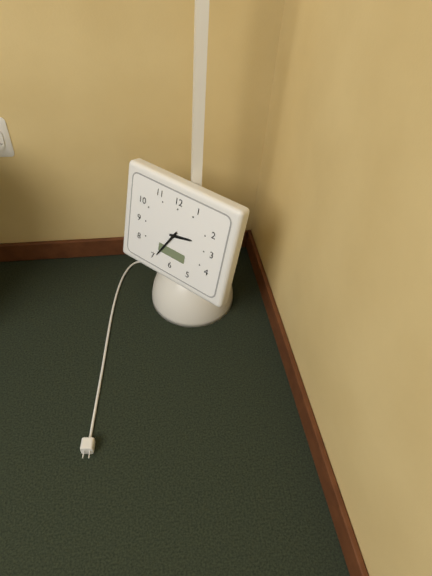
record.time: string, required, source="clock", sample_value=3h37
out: 2h35
